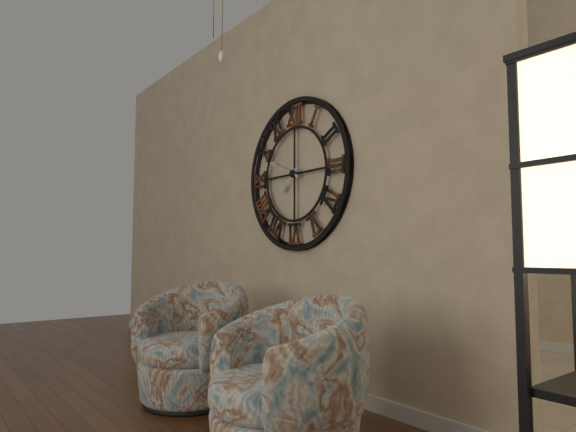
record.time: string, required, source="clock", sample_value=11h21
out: 7h49
